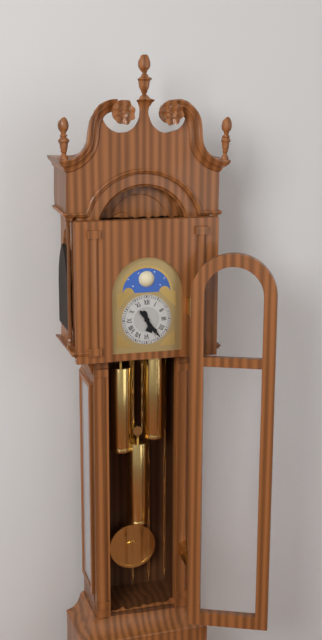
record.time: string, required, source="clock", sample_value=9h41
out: 5h24
